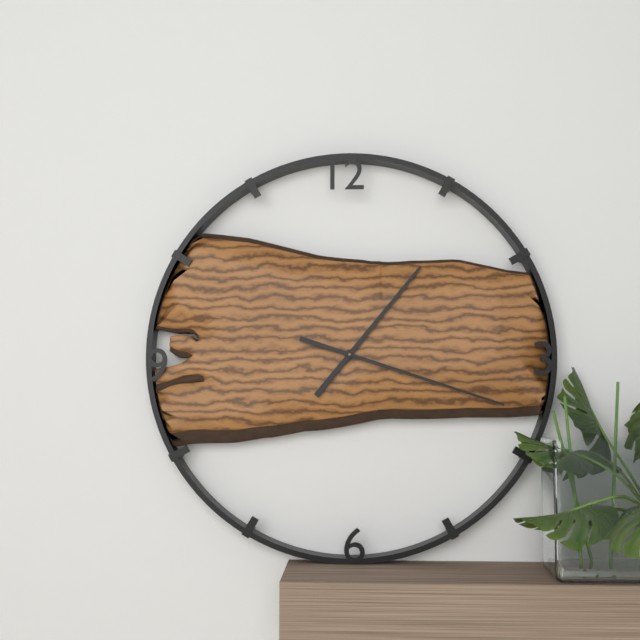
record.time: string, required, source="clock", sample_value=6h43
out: 1h18
